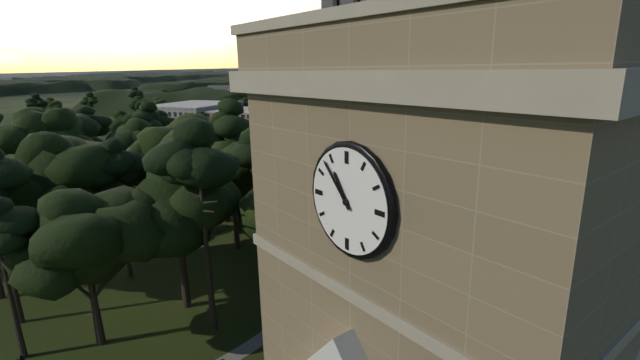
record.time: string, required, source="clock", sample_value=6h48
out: 10h53
